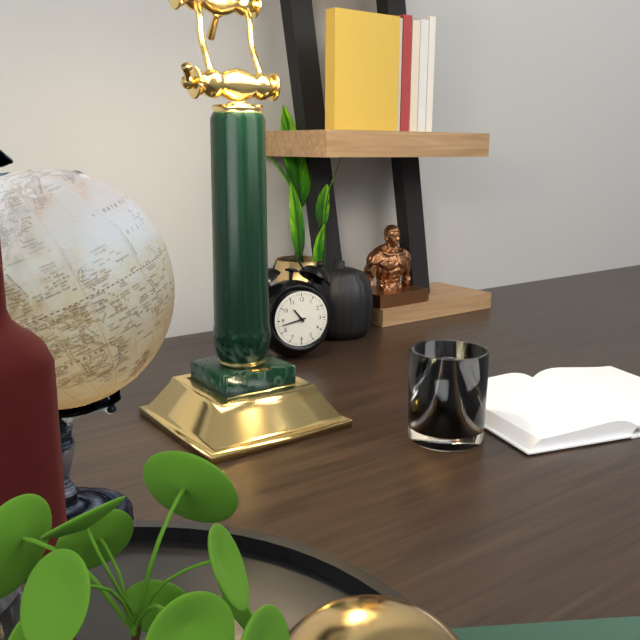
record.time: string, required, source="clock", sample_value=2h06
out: 10h43
